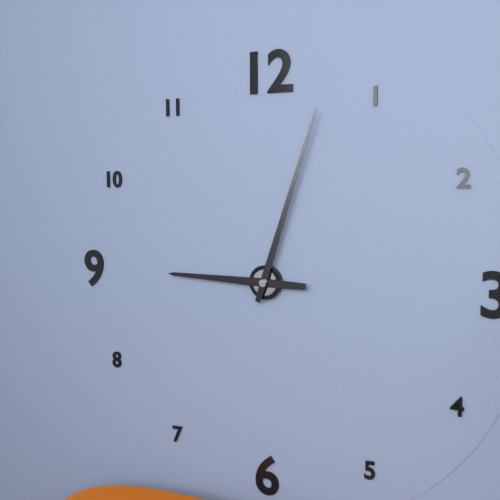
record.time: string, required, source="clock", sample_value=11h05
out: 9h03
